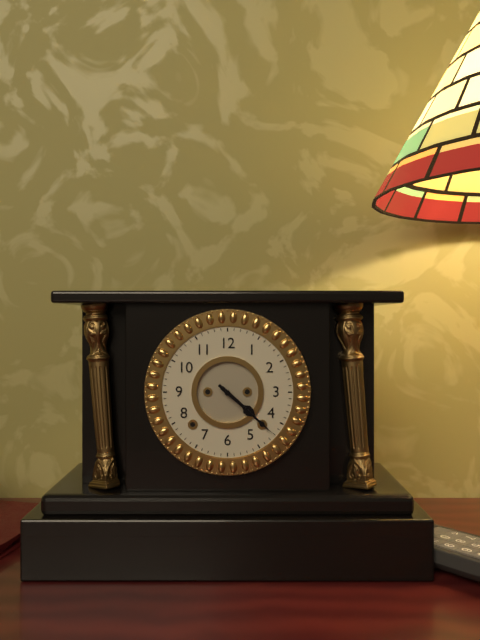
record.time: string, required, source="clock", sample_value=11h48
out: 4h22
